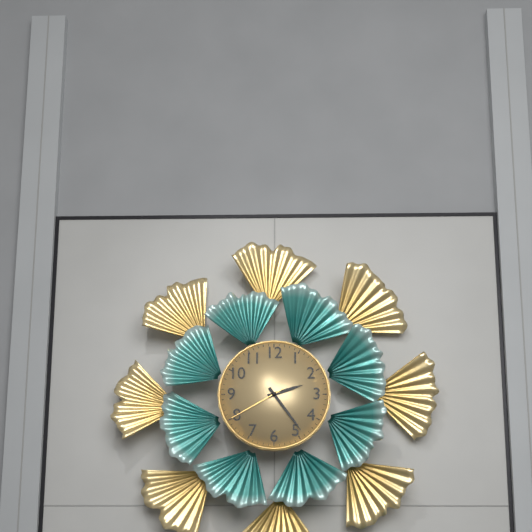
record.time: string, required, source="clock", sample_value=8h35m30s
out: 2h24m40s
